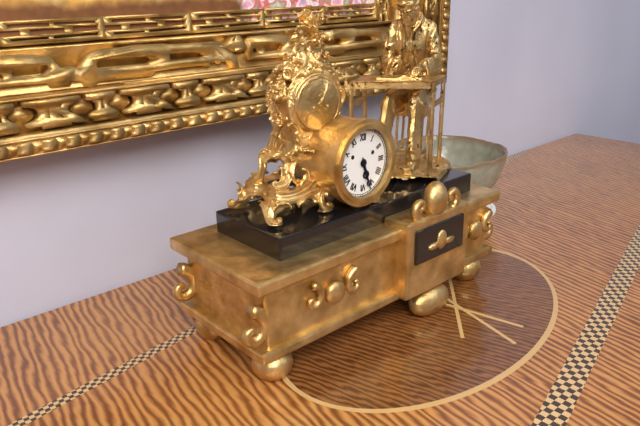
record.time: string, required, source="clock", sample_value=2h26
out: 5h27
